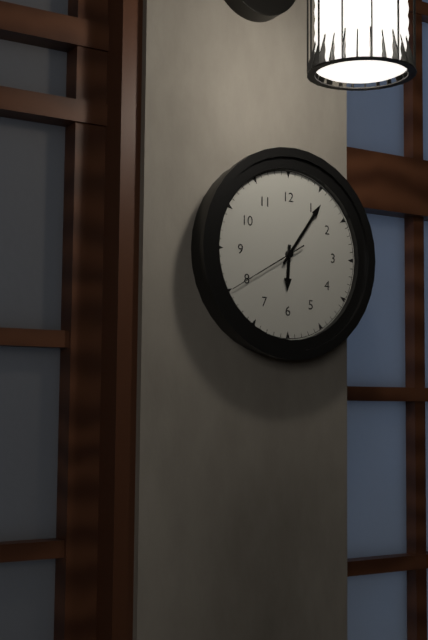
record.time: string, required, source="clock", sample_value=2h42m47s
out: 6h06m40s
